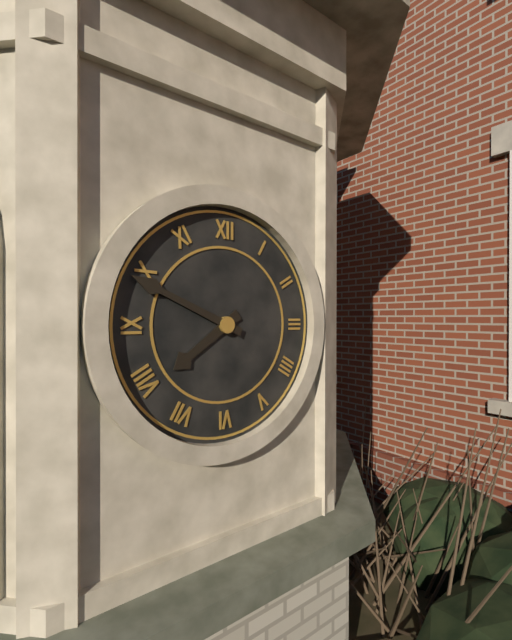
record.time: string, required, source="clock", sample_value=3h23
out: 7h49
